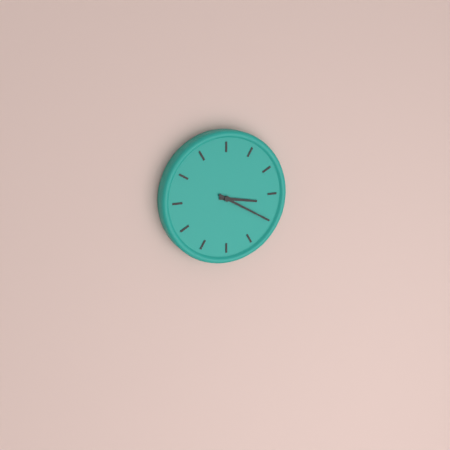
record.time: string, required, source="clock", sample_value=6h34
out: 3h20
